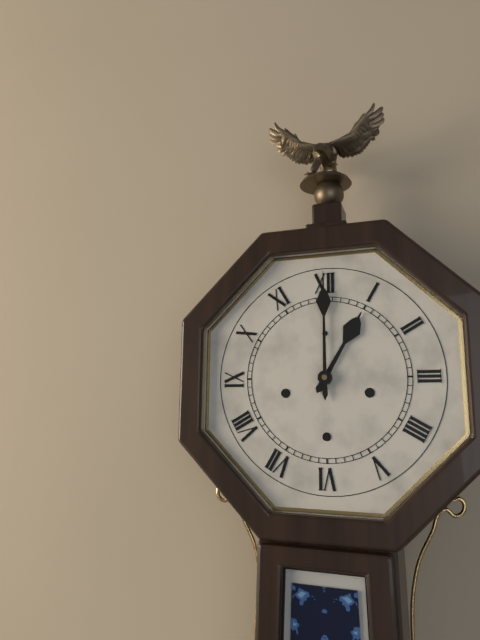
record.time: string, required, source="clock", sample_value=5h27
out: 1h00
